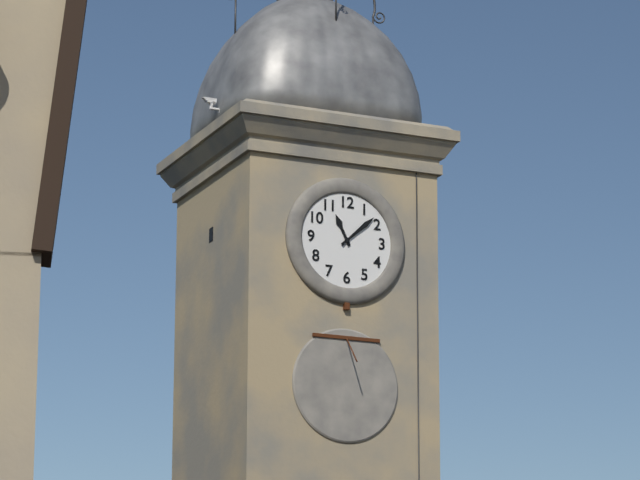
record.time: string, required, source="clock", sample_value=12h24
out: 11h08
